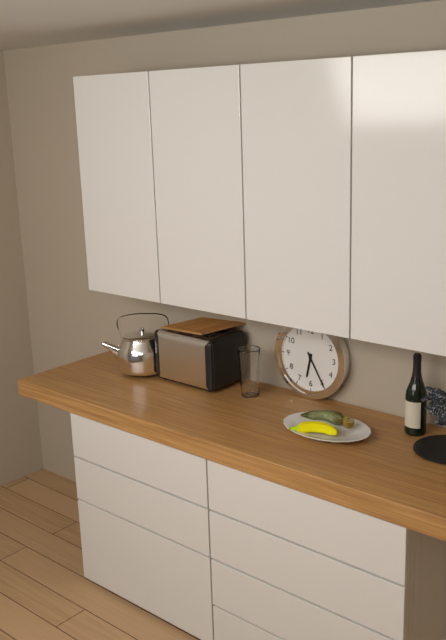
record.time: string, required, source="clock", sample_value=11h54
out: 6h25
